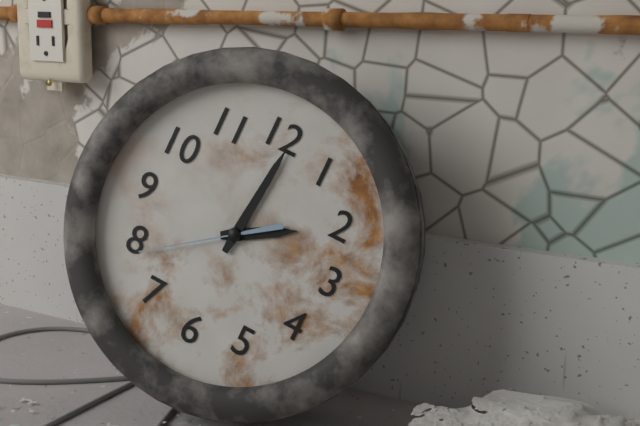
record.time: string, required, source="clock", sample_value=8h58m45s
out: 2h01m39s
